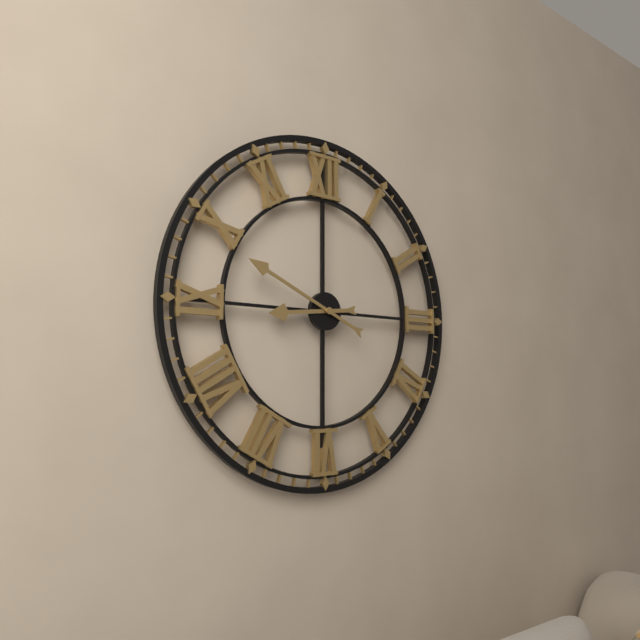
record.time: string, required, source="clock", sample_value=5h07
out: 8h49
